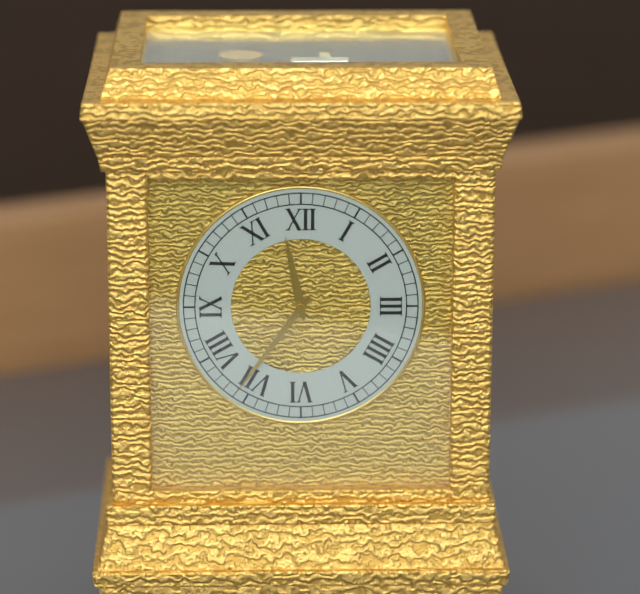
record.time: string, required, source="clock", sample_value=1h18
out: 11h36
